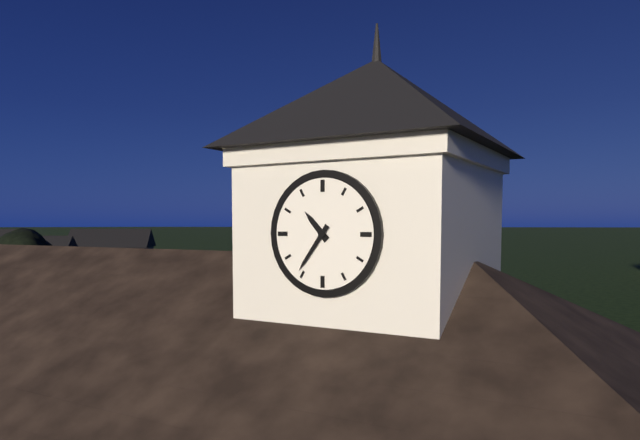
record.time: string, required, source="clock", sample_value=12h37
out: 10h36
